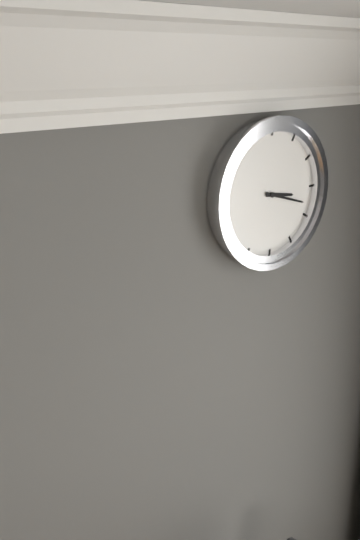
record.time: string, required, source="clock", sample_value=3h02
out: 3h18
